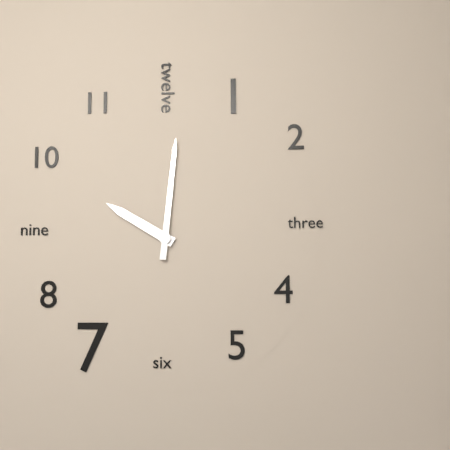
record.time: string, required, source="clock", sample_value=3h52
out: 10h01
